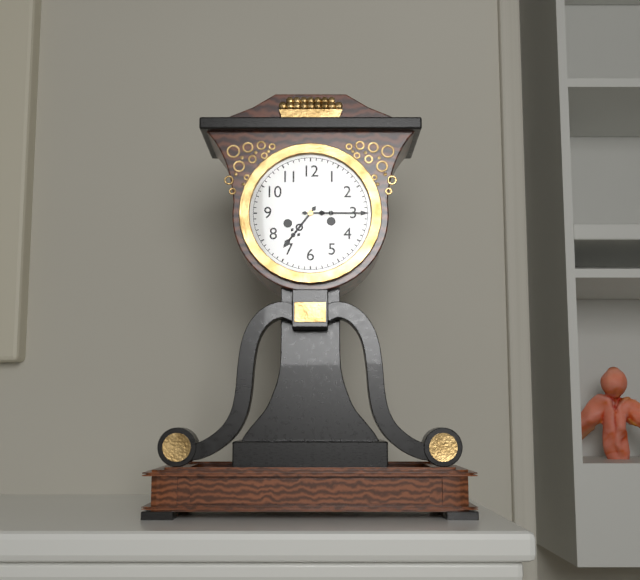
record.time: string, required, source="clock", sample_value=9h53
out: 7h15
